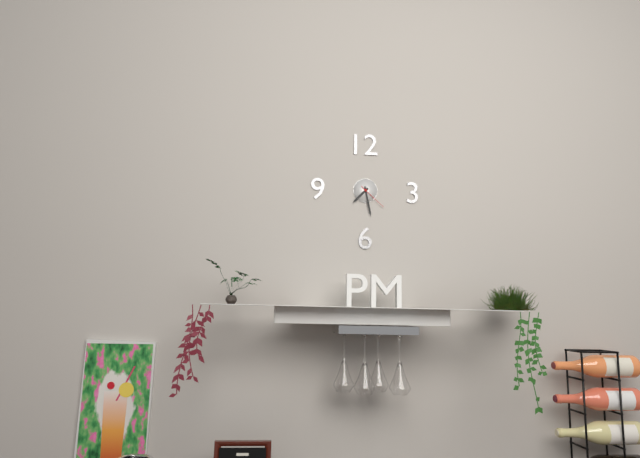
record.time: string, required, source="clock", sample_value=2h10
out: 7h28
